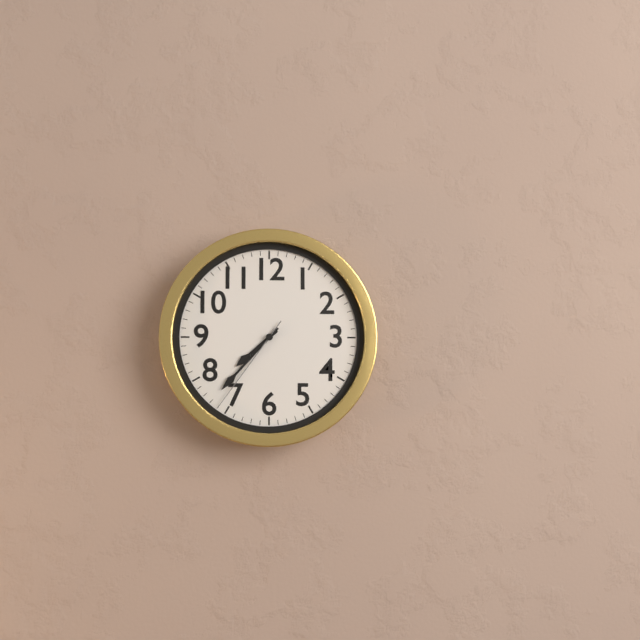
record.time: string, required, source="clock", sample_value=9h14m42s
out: 7h37m36s
